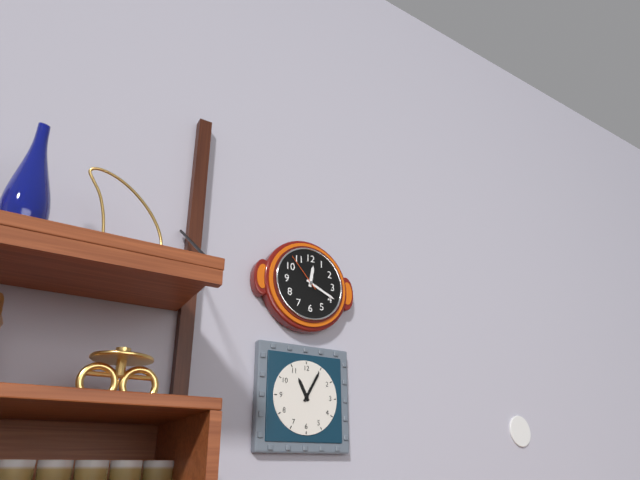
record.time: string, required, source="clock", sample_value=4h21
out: 12h19
